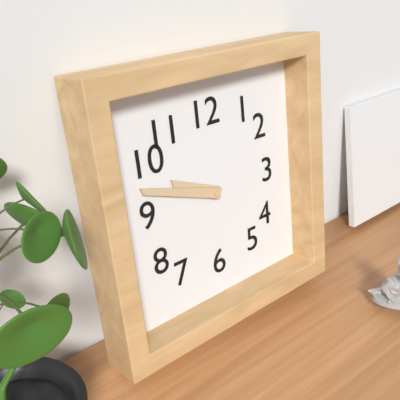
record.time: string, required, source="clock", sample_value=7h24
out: 9h48
